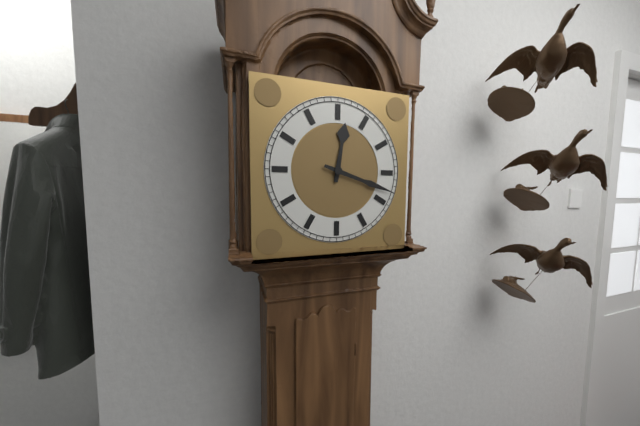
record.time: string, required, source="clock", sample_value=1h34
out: 12h18
